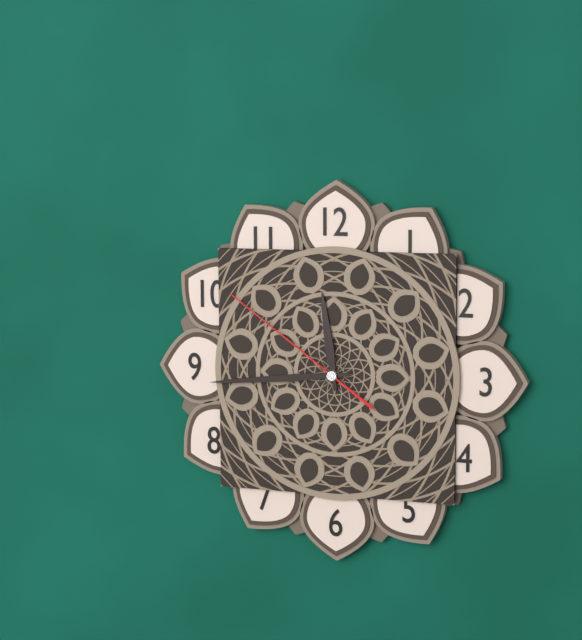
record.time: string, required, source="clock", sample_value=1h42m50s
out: 11h44m51s
